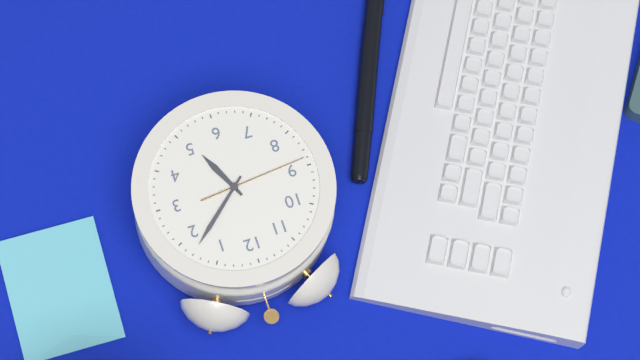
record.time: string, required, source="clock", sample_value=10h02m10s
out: 5h08m44s
